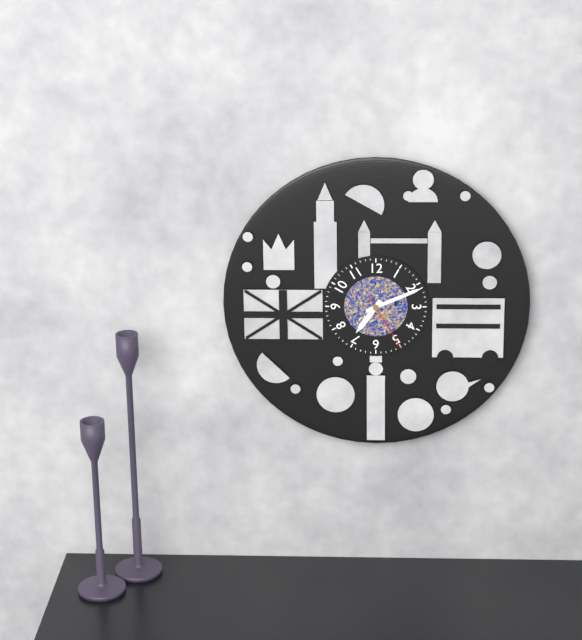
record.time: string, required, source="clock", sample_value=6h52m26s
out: 7h11m25s
